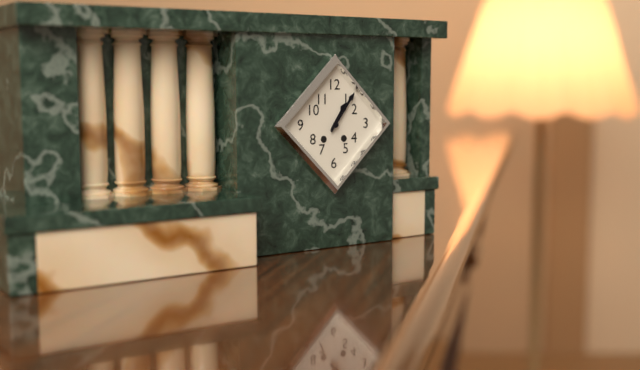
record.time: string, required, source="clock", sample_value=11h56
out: 1h06
